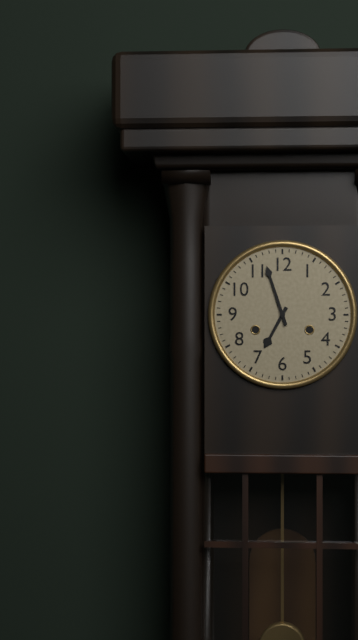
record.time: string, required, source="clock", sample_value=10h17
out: 6h57
